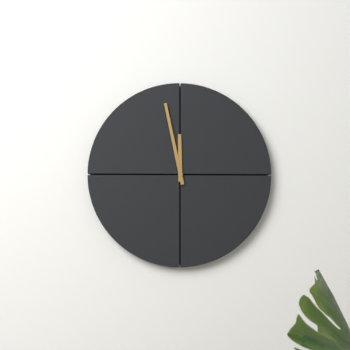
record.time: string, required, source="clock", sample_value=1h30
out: 11h58
